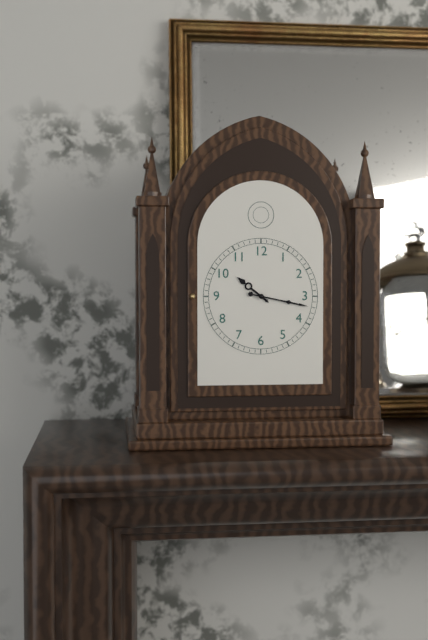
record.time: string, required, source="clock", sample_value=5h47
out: 10h17
